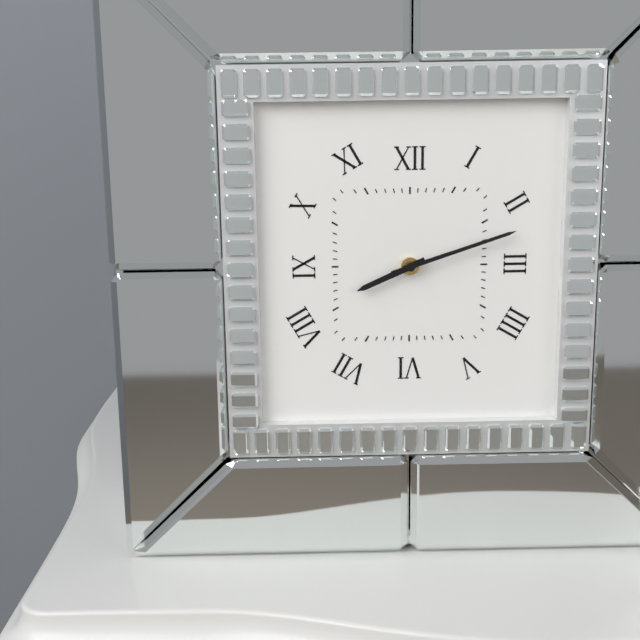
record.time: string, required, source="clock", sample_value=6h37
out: 8h12
